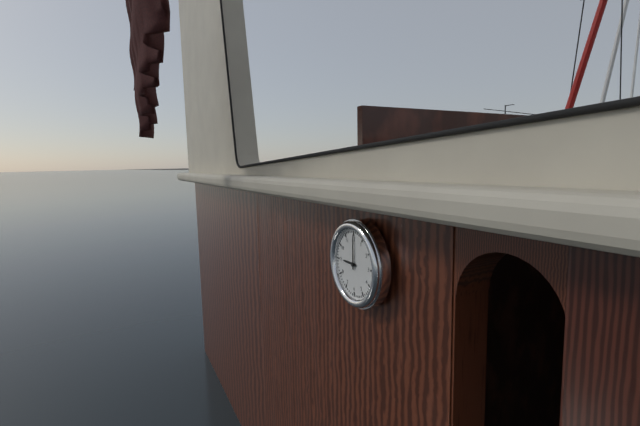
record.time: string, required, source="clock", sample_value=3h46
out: 9h00
